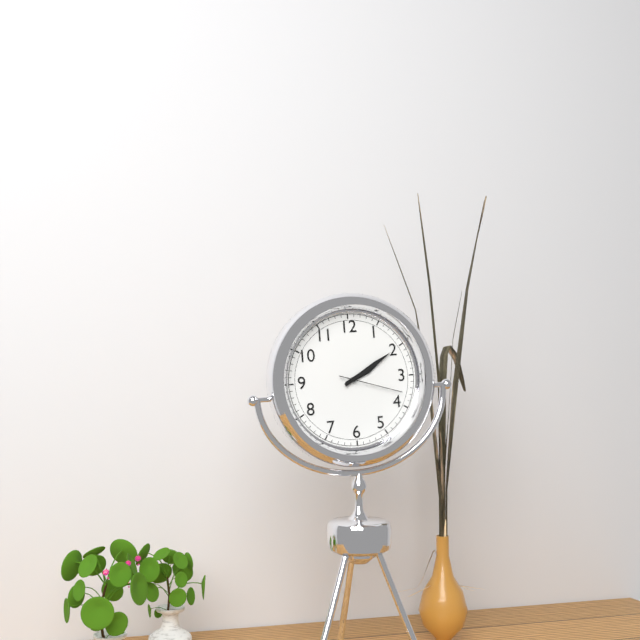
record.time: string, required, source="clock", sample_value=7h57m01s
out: 2h10m18s
